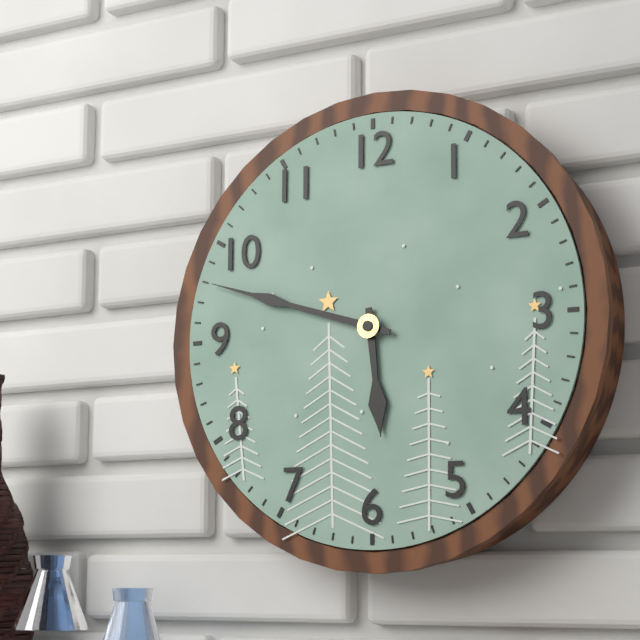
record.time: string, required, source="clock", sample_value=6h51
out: 5h48
